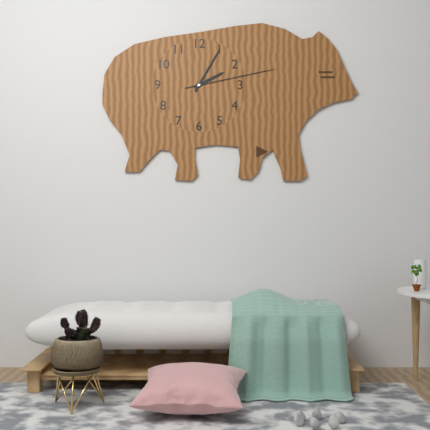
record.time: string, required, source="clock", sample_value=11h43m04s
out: 2h05m13s
